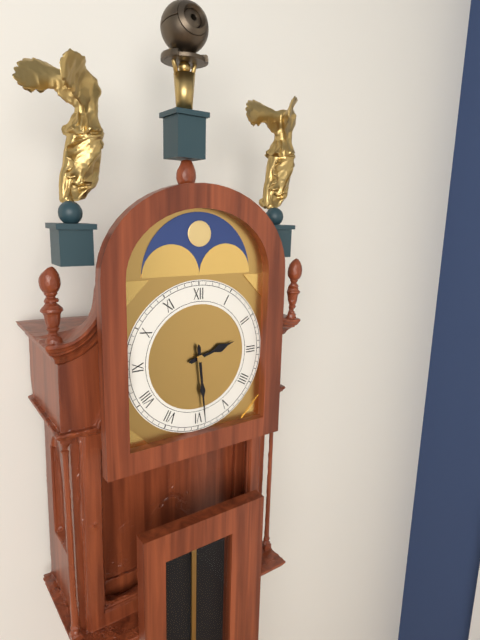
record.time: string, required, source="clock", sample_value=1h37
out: 2h29
